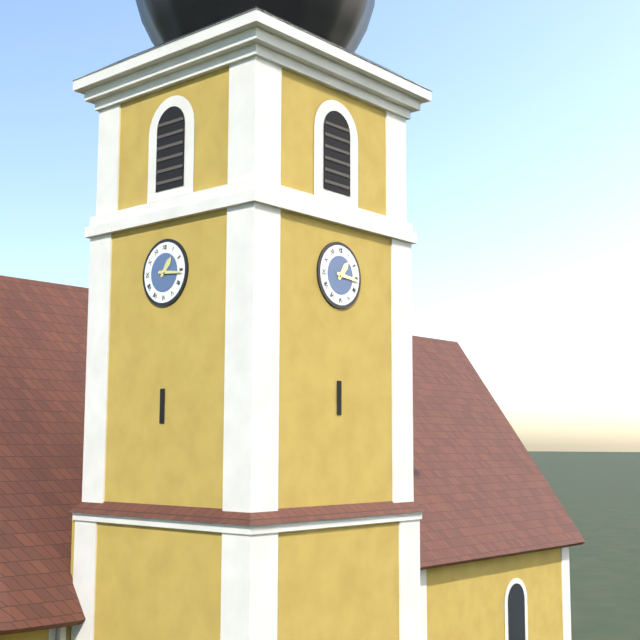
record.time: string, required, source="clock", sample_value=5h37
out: 1h16
